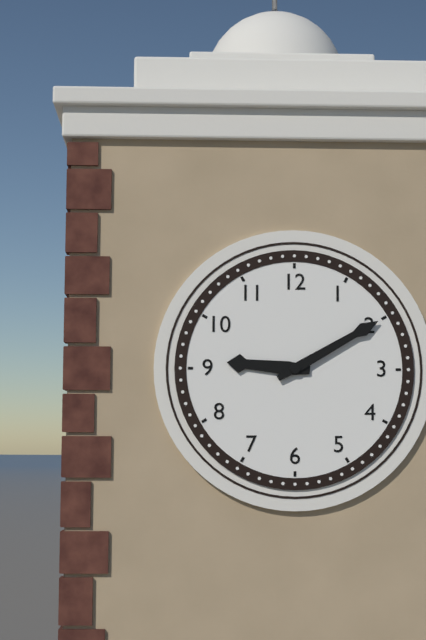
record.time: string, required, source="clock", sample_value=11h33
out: 9h10
